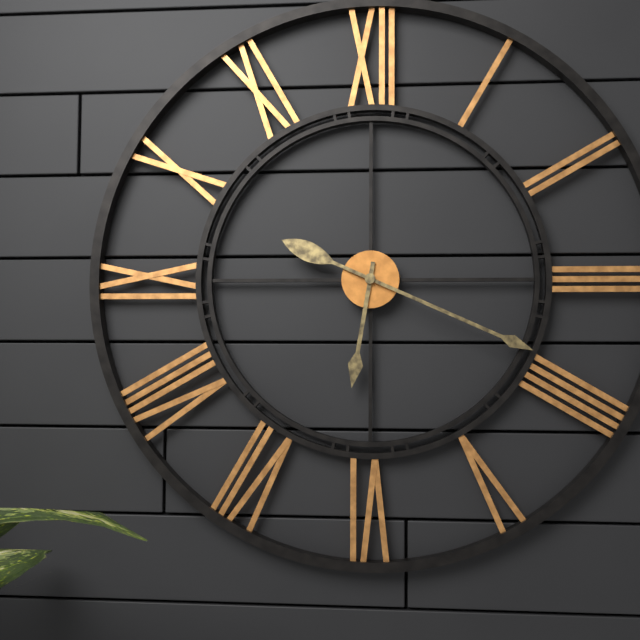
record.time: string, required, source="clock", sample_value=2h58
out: 6h19
